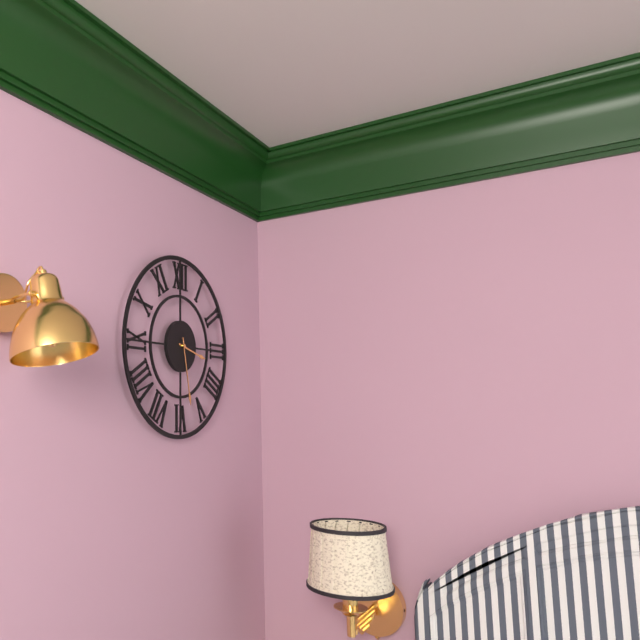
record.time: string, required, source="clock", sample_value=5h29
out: 3h28
